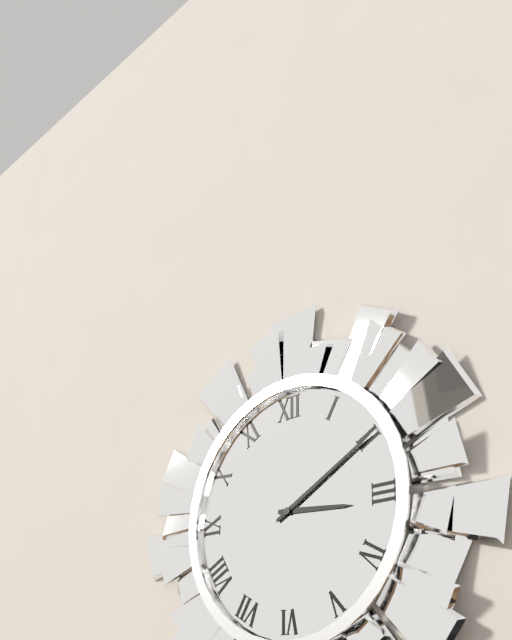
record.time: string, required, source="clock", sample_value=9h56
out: 3h10
